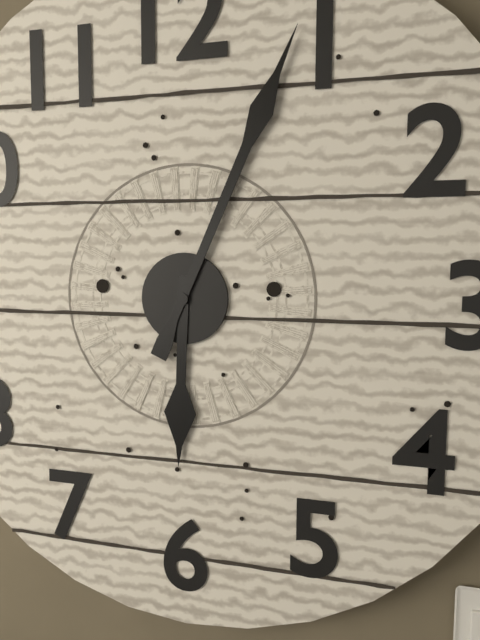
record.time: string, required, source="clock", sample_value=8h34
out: 6h04
